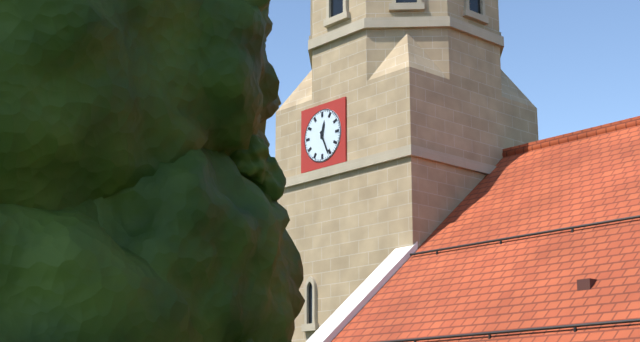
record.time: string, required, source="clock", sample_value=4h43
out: 12h26
